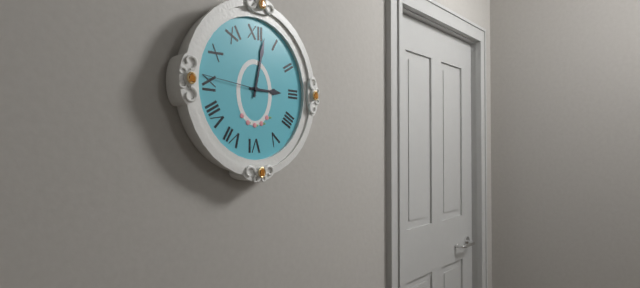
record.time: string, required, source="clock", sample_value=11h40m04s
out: 3h02m46s
